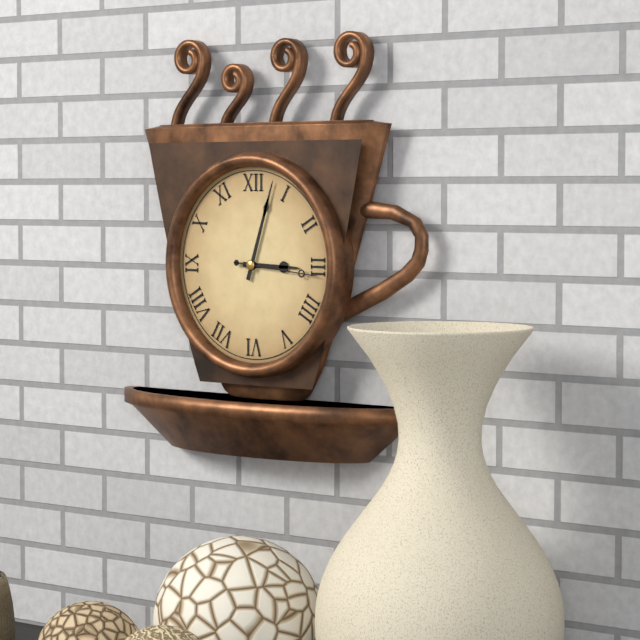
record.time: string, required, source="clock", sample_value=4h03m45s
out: 3h03m16s
